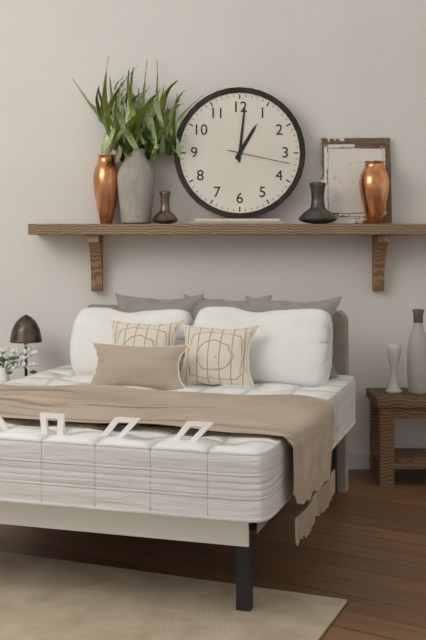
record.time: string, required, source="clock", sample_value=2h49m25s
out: 1h01m17s
